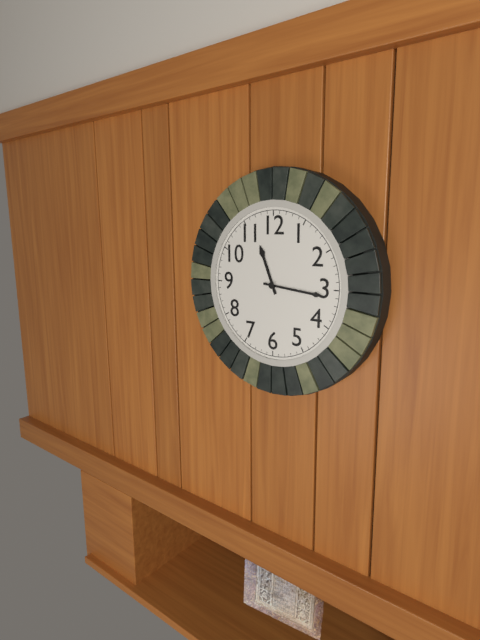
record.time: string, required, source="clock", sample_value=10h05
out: 11h16
